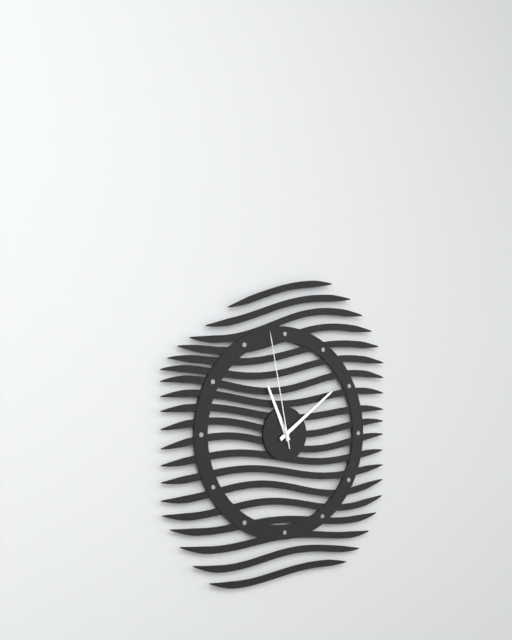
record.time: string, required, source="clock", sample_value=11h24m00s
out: 11h09m58s
